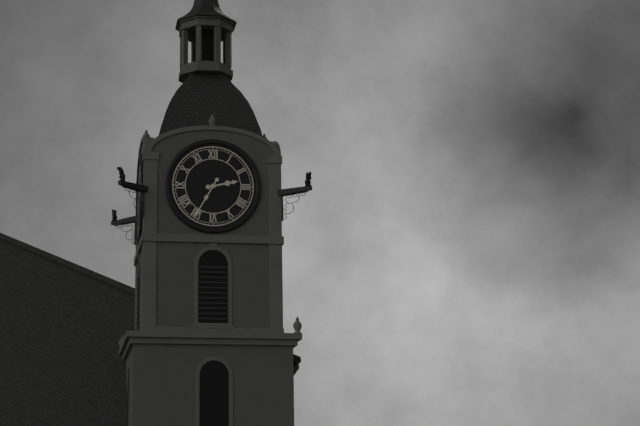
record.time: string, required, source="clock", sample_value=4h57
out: 2h35
